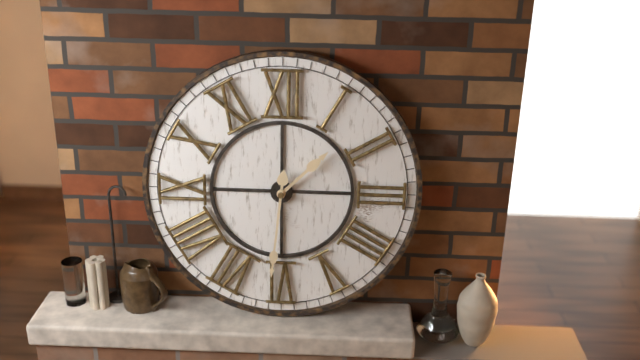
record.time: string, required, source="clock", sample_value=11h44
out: 1h31
